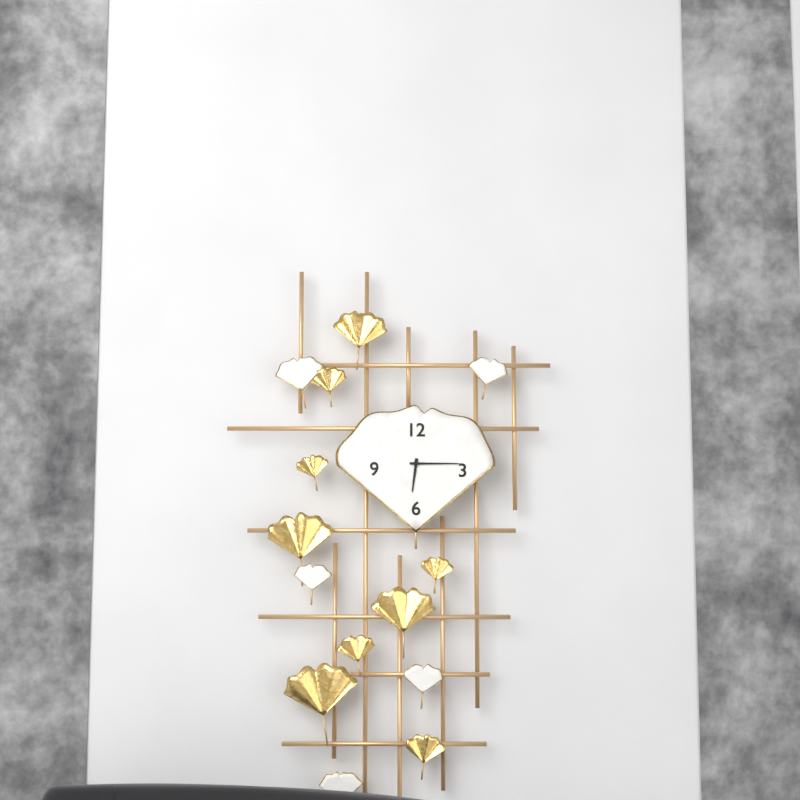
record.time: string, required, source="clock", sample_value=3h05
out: 6h15
